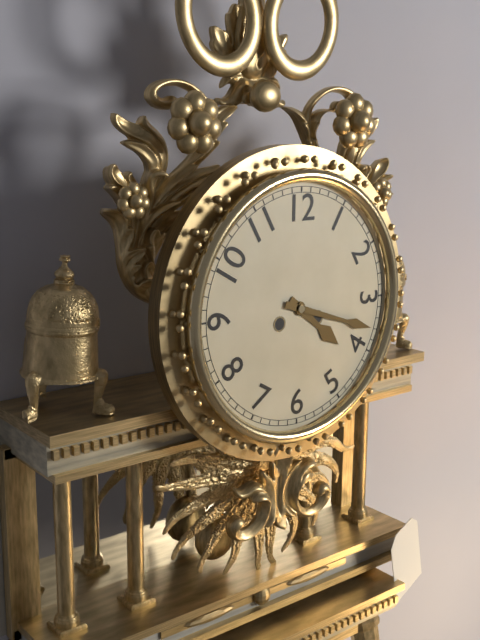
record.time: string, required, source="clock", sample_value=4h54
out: 4h18
